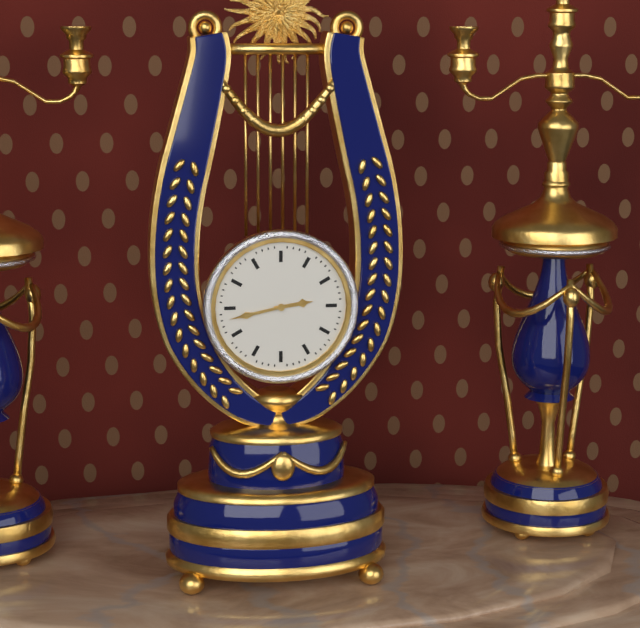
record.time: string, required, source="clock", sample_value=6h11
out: 2h43
